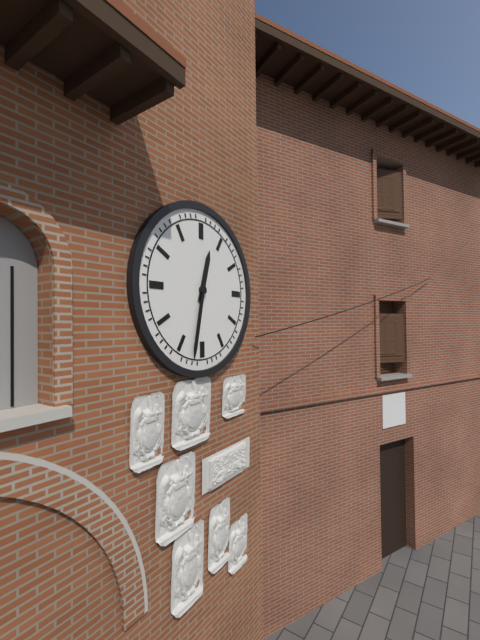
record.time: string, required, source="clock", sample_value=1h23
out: 12h32
